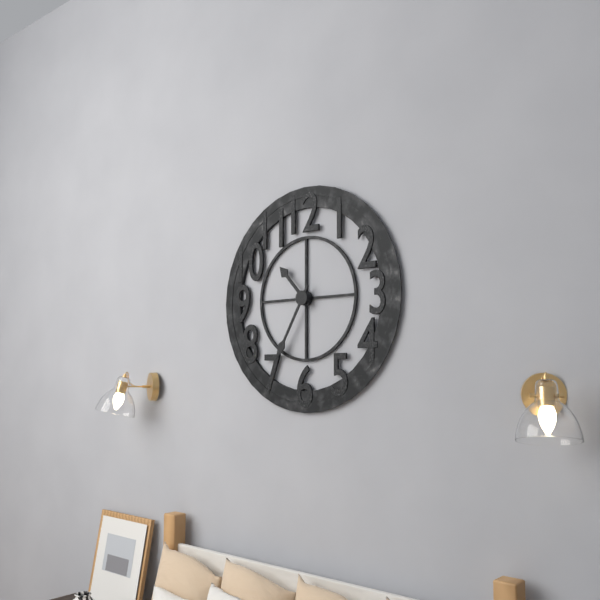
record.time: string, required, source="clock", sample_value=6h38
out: 10h35
